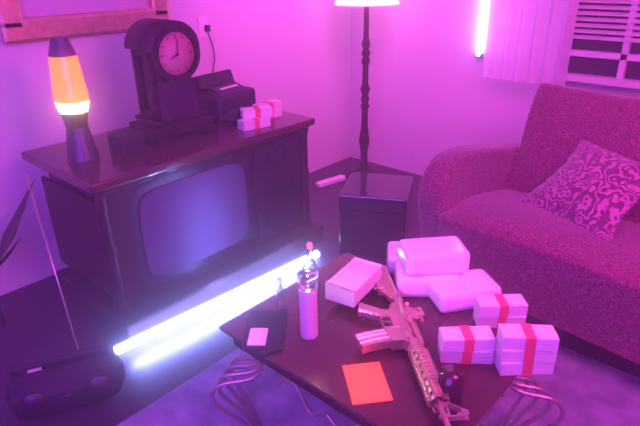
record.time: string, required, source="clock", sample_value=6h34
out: 8h01
